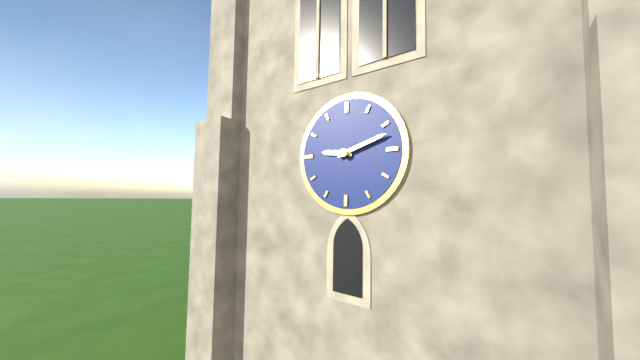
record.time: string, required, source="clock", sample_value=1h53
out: 9h12
